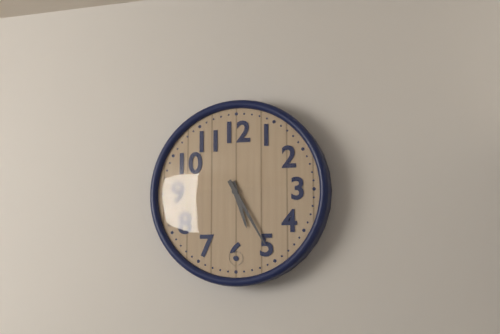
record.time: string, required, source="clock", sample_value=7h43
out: 5h25
